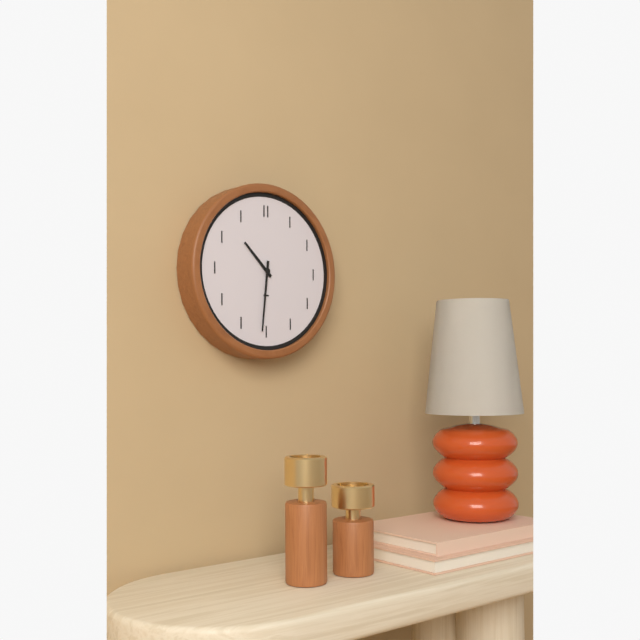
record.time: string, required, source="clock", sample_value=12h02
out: 10h31
